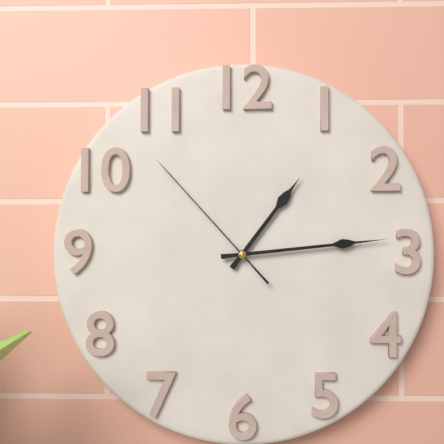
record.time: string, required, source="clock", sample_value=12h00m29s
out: 1h14m53s
